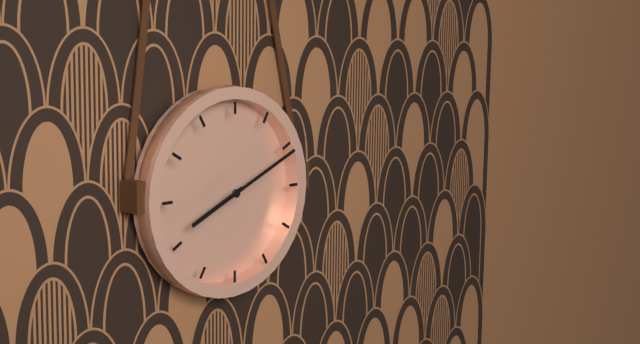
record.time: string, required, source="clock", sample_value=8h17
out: 8h11
